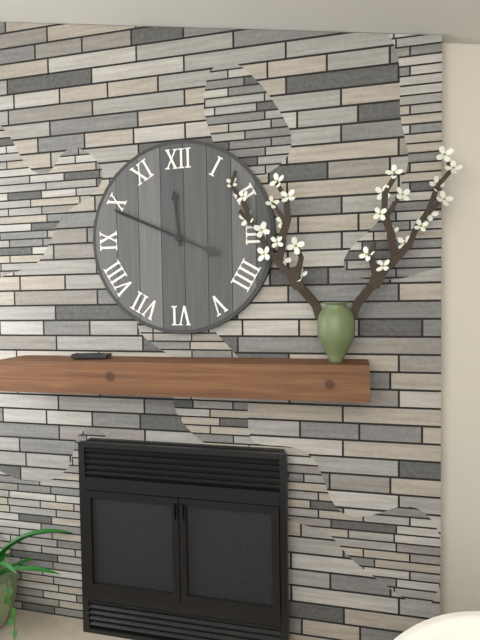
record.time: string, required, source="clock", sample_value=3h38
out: 11h49
